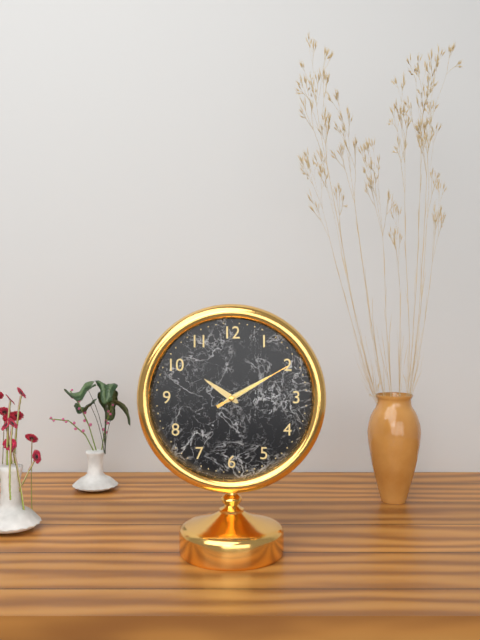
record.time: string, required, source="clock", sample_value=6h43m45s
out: 10h10m10s
